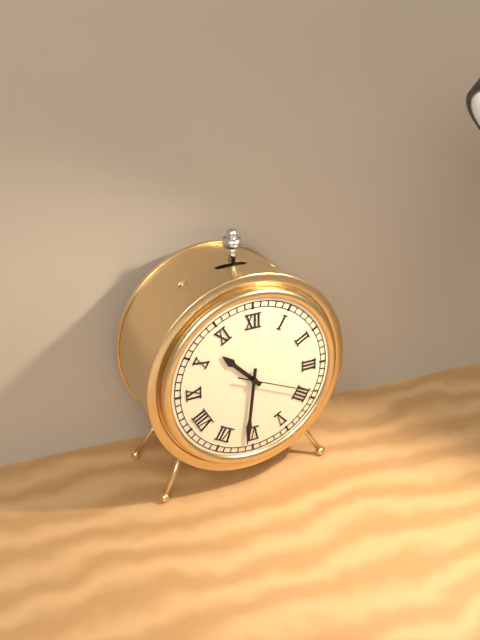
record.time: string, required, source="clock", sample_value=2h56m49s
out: 10h31m19s
